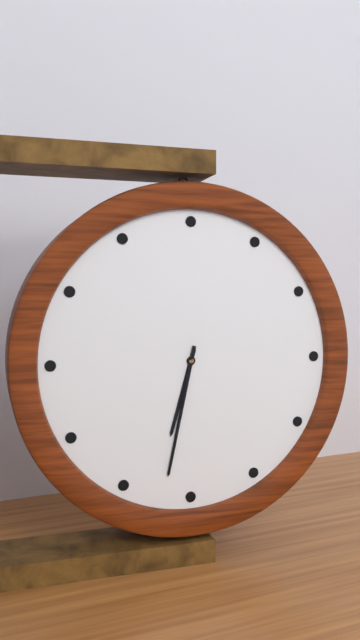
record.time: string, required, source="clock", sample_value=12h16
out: 6h32
